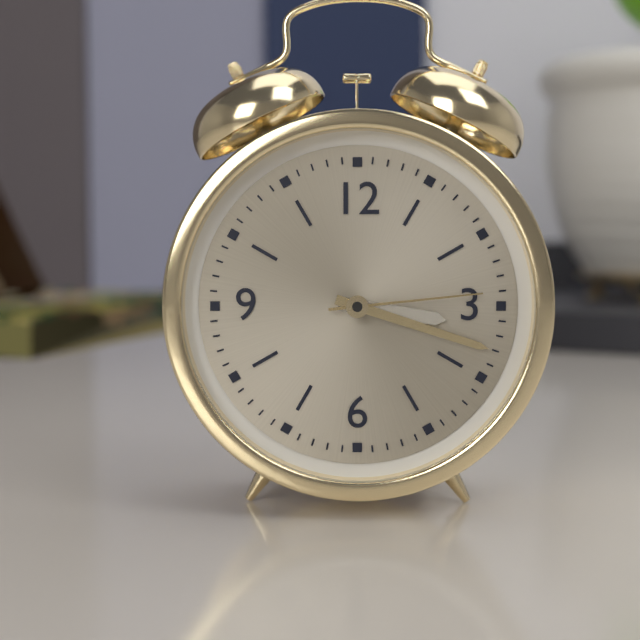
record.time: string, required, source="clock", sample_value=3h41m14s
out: 3h18m14s
